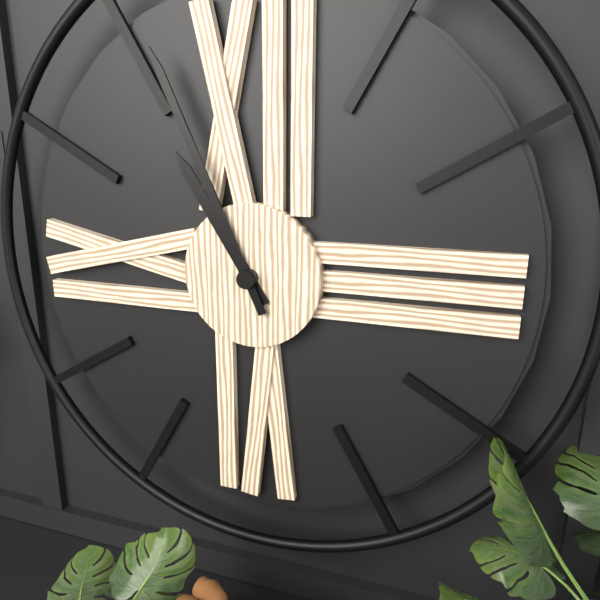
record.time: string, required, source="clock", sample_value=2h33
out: 10h56
